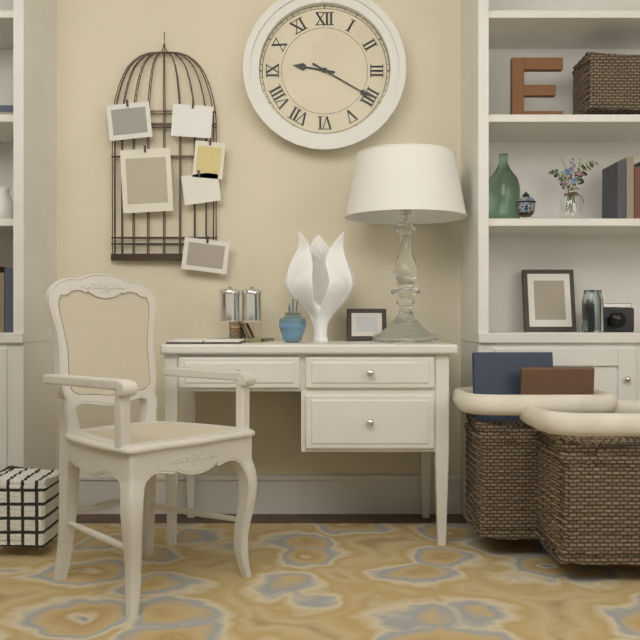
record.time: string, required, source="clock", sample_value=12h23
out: 9h20
